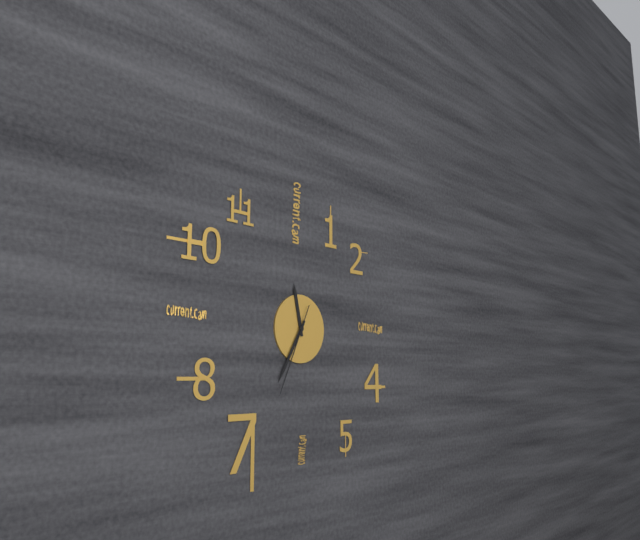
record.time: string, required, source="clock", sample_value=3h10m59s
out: 11h35m34s
